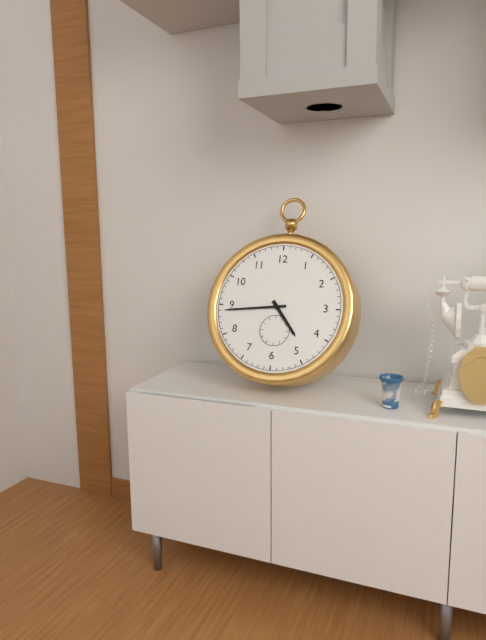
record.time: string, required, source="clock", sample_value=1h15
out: 4h44
